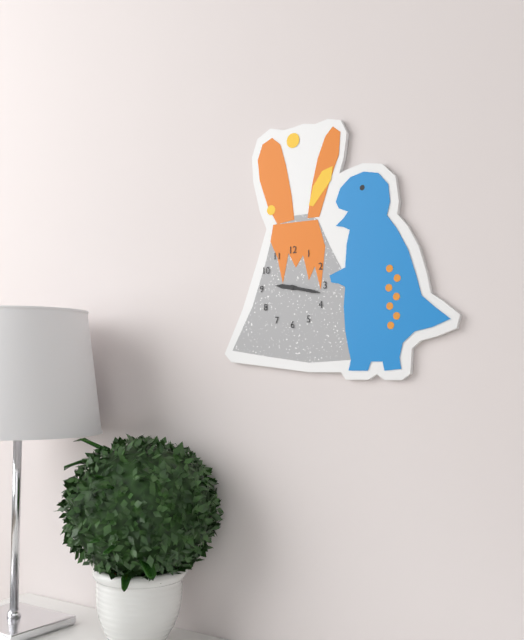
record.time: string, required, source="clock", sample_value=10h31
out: 9h17
